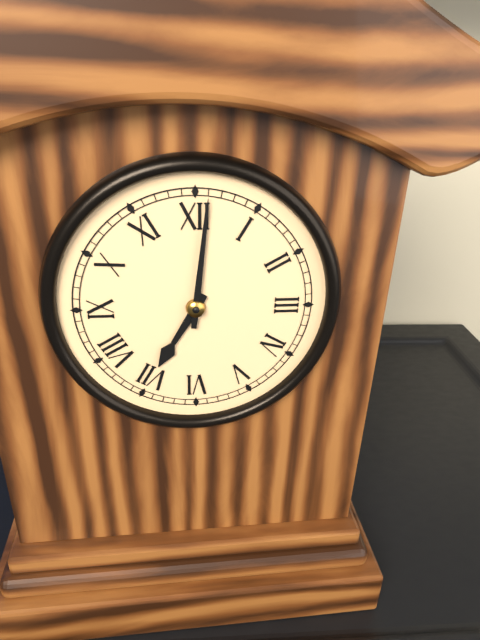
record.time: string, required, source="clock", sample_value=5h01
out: 7h01
